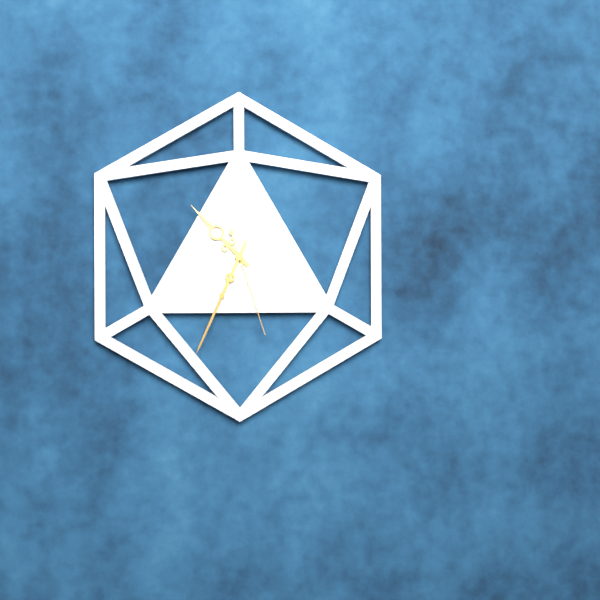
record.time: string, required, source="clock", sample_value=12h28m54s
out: 10h34m27s
